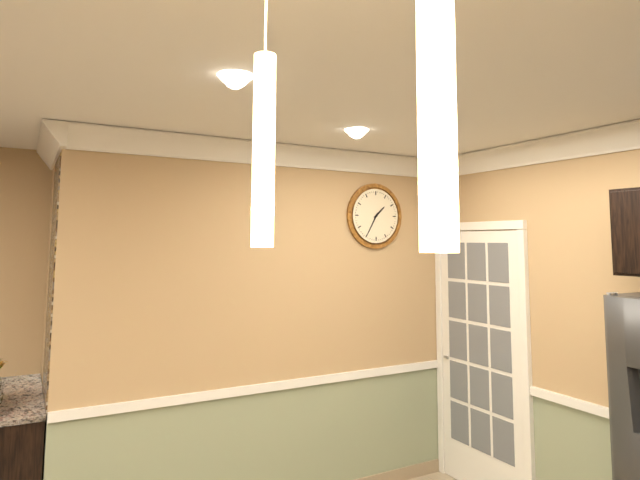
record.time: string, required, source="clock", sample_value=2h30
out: 1h35
